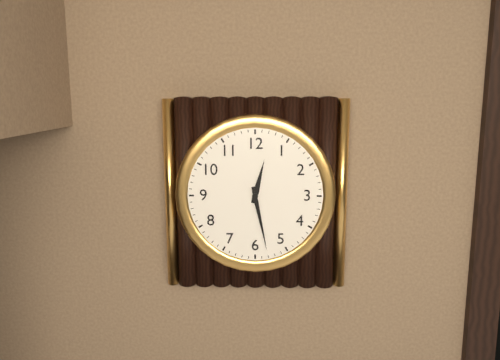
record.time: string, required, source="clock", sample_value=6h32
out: 12h28
